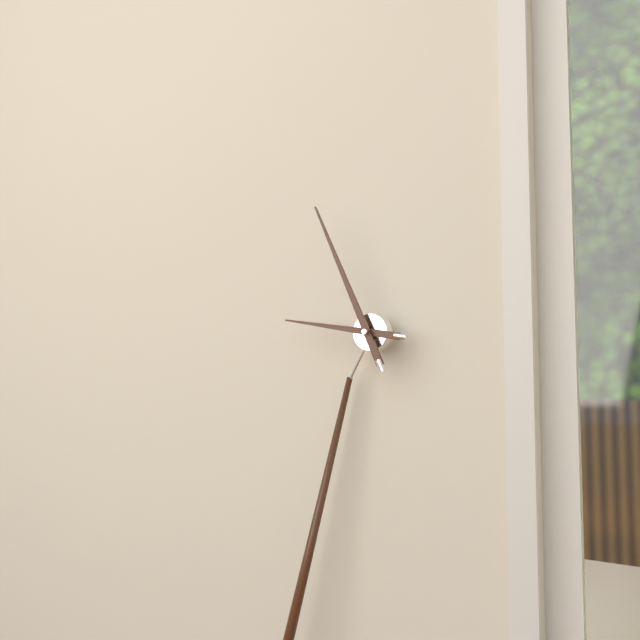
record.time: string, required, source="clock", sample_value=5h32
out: 8h54
